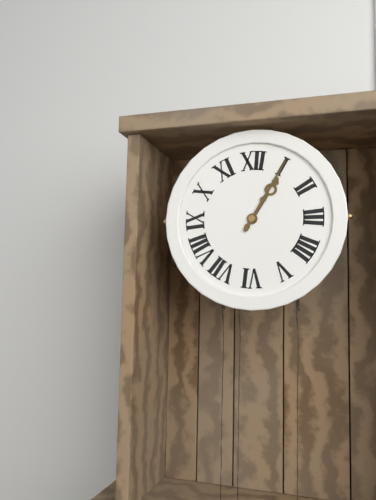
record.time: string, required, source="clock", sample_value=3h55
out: 1h05
